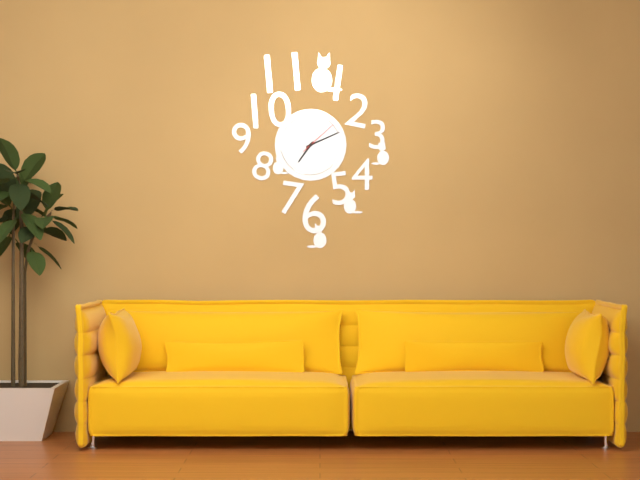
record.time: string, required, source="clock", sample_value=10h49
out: 7h11
